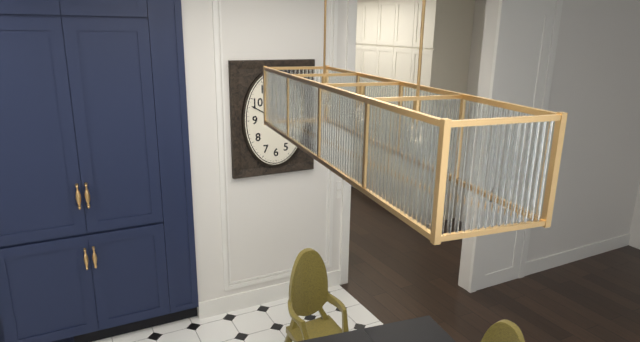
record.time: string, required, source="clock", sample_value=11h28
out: 3h50
